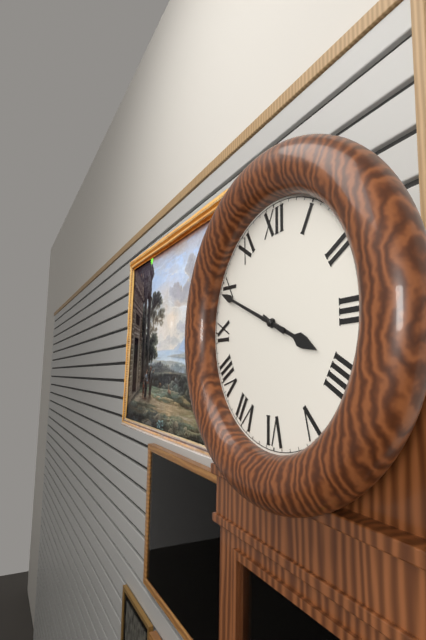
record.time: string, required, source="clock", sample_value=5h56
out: 3h49
